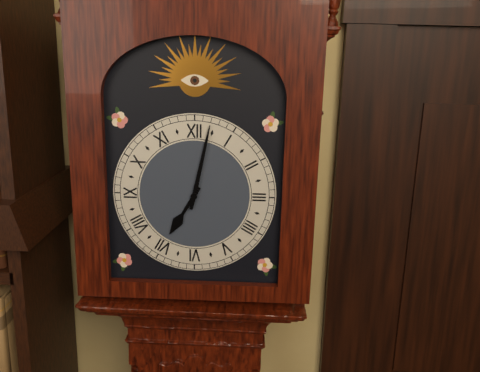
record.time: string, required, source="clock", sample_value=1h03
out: 7h02
